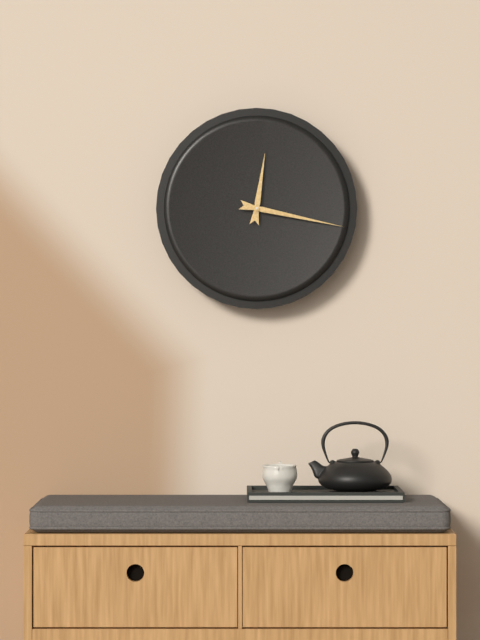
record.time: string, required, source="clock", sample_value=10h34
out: 12h17
